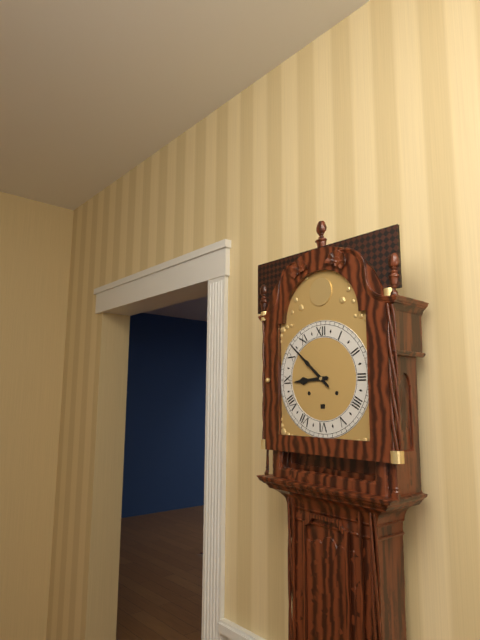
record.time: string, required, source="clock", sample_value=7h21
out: 8h52
